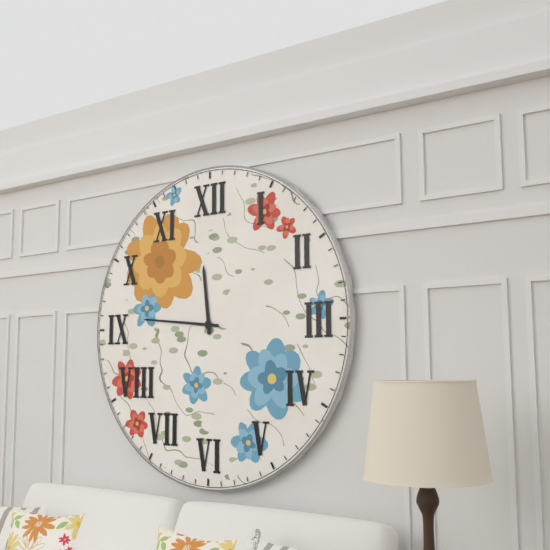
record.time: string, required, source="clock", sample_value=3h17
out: 11h46
